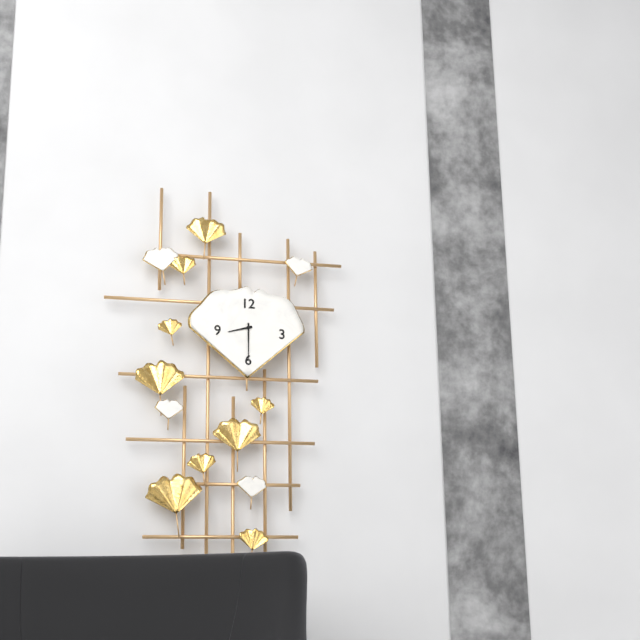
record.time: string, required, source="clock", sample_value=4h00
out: 8h30
